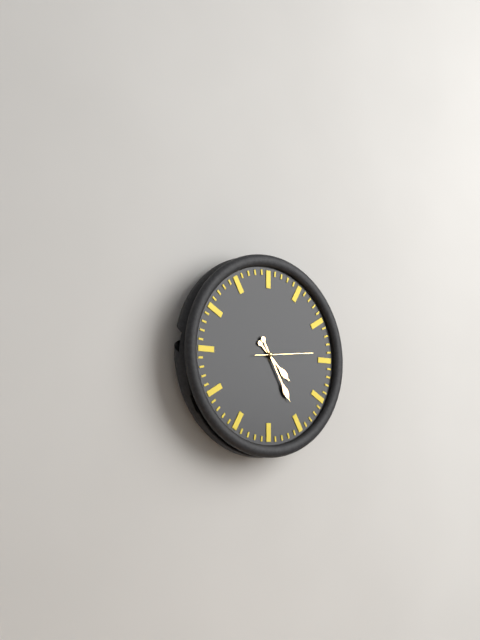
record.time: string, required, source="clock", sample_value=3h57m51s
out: 4h25m14s
